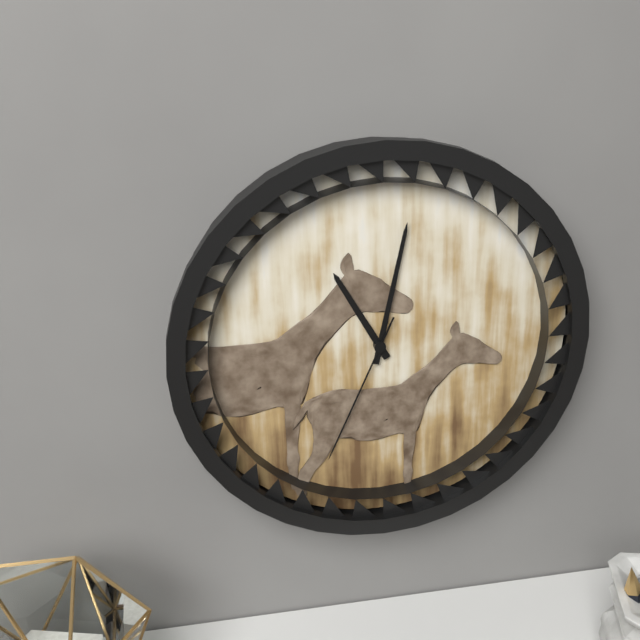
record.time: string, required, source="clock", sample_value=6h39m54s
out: 11h02m34s
